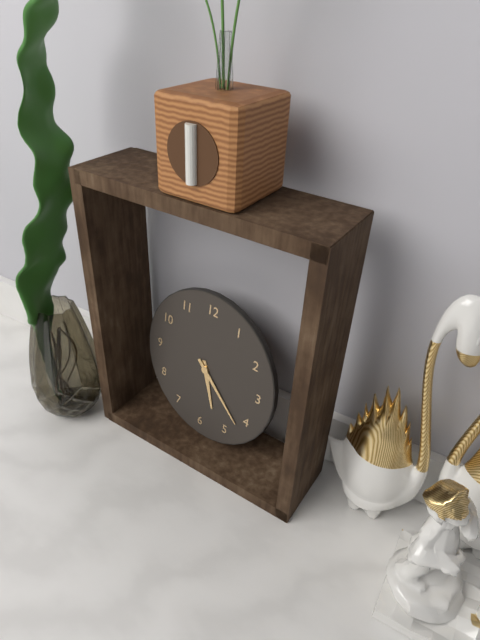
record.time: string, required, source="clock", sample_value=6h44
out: 5h22
